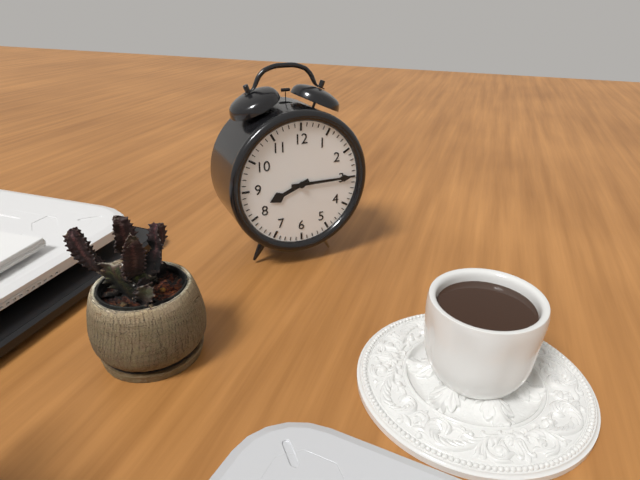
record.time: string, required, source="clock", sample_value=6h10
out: 8h15
